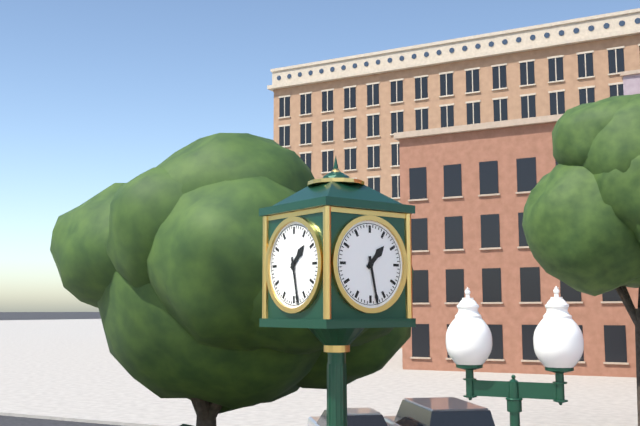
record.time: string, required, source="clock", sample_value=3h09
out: 1h28
